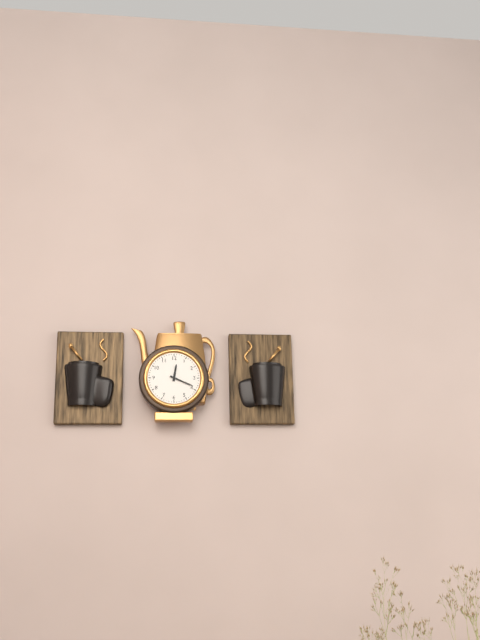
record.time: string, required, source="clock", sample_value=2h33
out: 12h19
